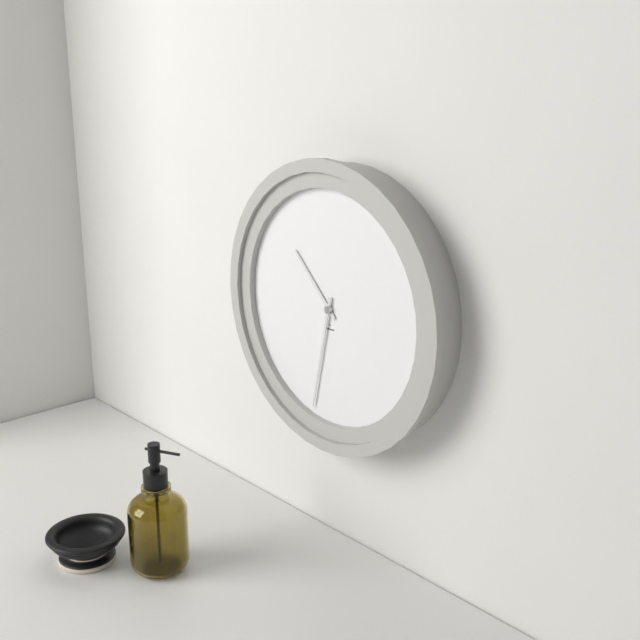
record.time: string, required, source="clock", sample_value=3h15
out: 10h32
